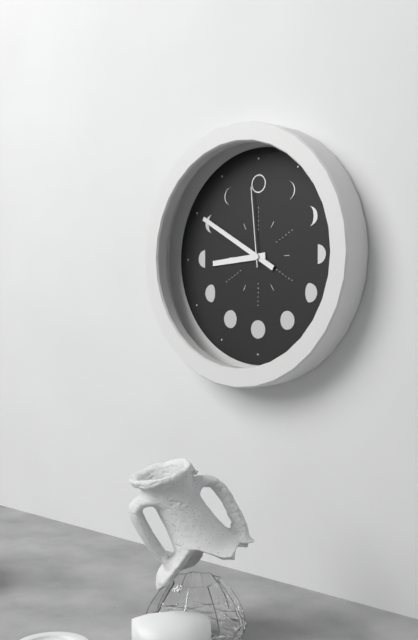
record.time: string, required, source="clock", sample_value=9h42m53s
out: 8h50m59s
